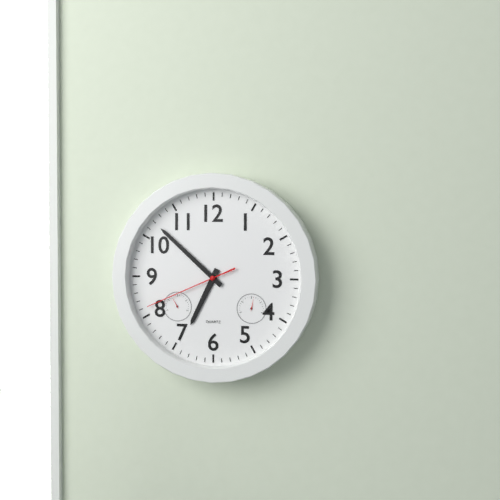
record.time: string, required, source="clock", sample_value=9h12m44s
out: 6h52m41s
